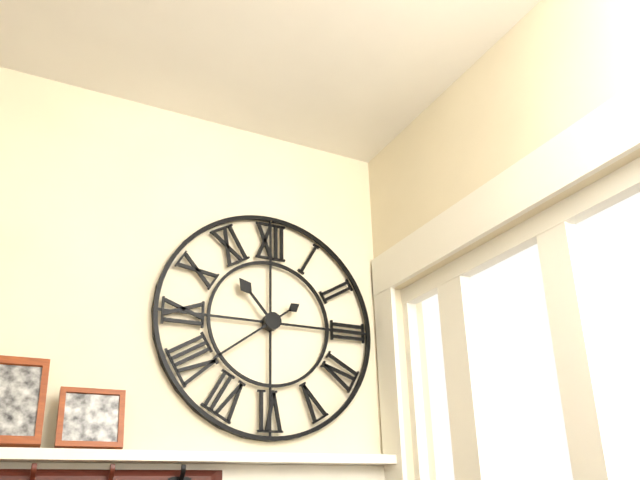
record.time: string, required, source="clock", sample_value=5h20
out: 10h39
